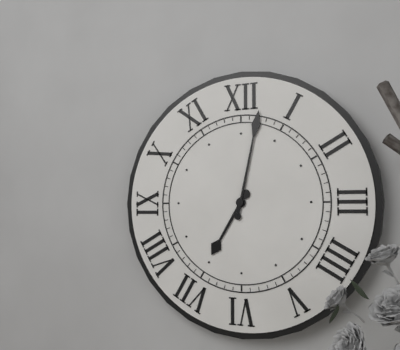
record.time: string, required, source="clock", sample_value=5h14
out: 7h02
